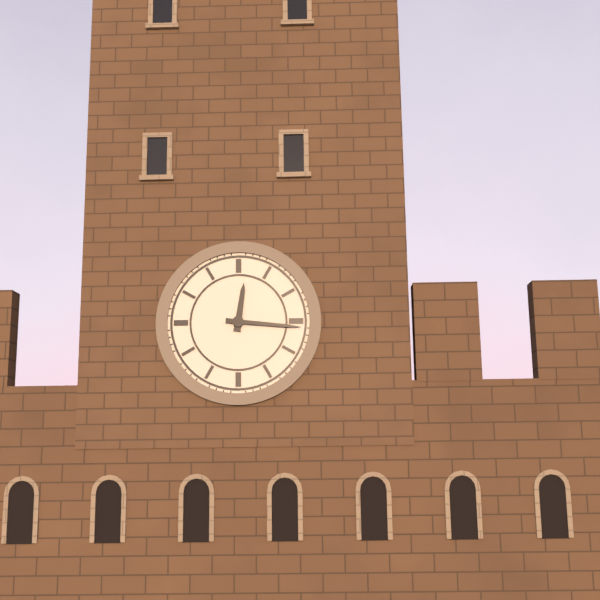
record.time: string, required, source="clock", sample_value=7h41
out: 12h16
